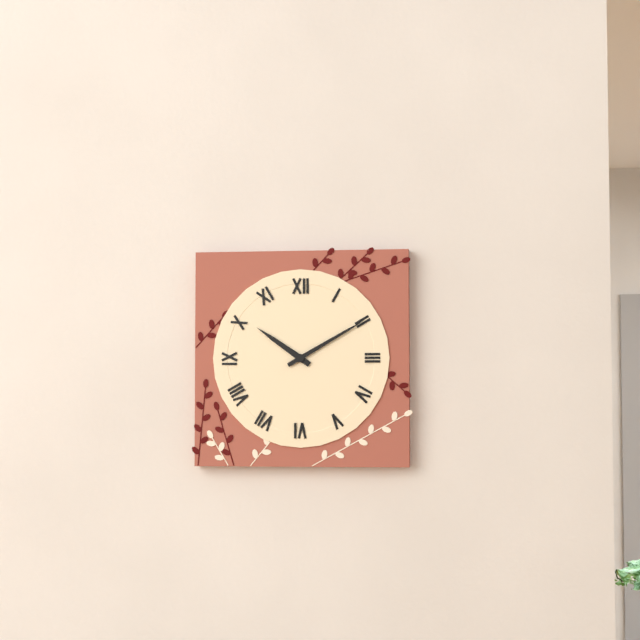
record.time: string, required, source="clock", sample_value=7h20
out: 10h10
